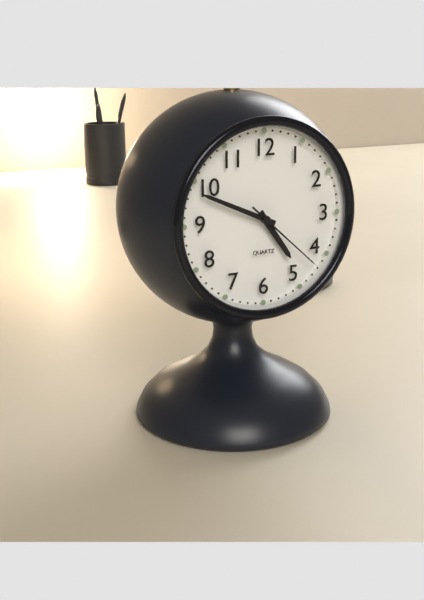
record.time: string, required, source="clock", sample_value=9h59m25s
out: 4h49m22s
